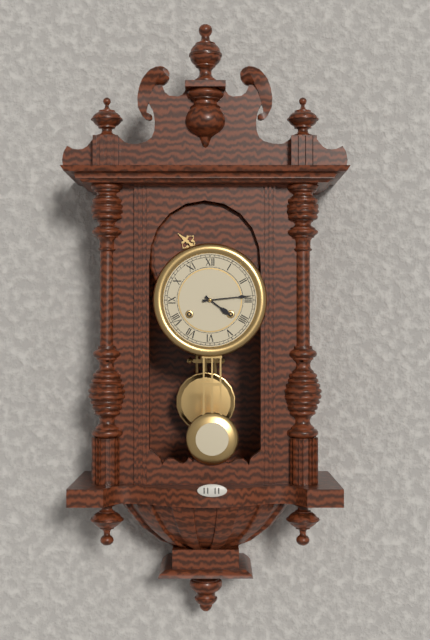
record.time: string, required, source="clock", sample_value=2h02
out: 4h14
